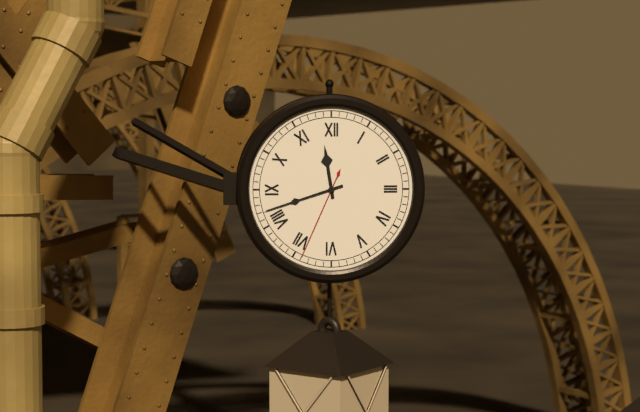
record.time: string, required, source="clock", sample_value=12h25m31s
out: 11h42m34s
